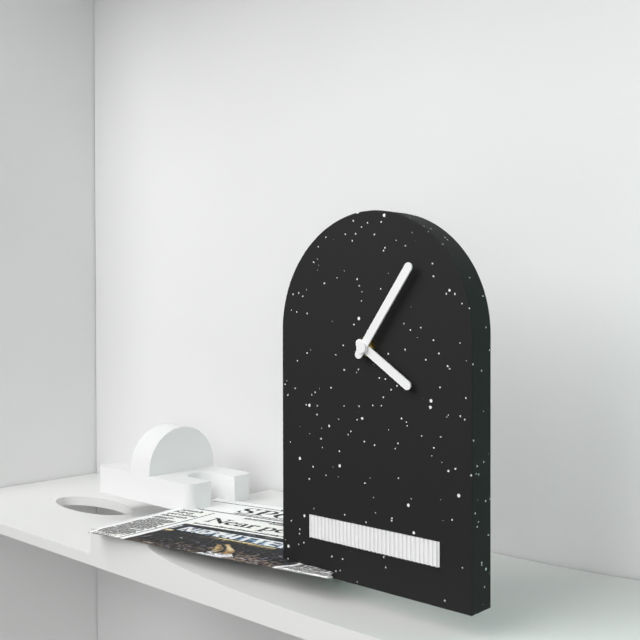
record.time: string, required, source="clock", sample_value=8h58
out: 4h06
